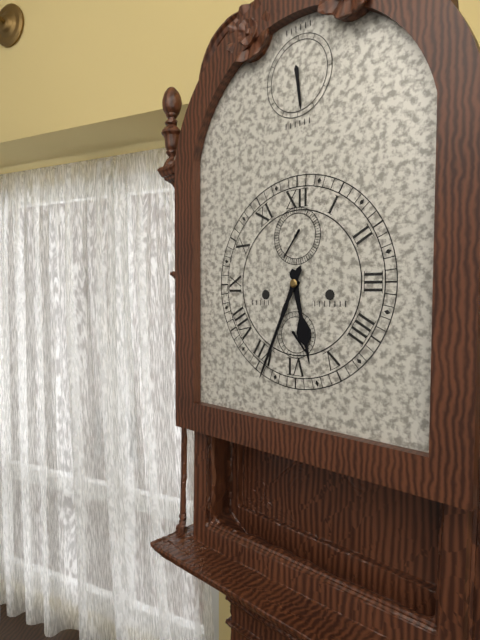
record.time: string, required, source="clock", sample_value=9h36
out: 5h34
